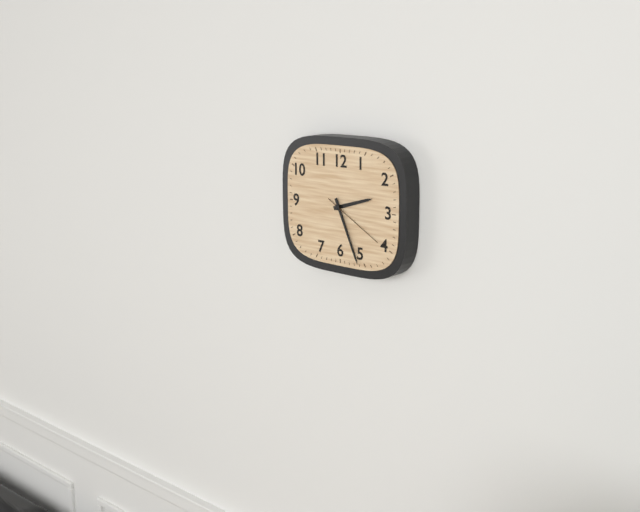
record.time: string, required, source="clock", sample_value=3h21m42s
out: 2h26m20s
